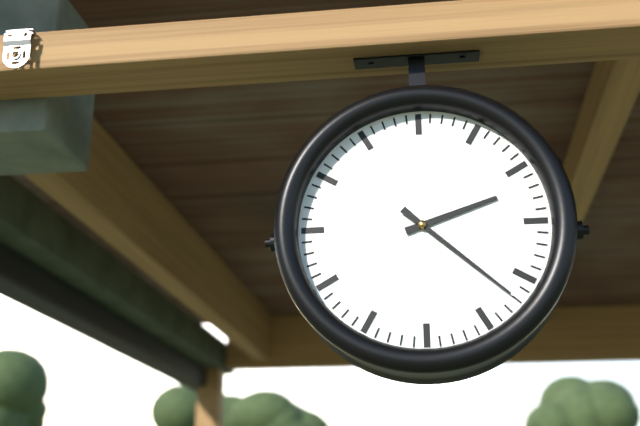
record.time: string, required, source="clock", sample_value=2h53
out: 2h22
